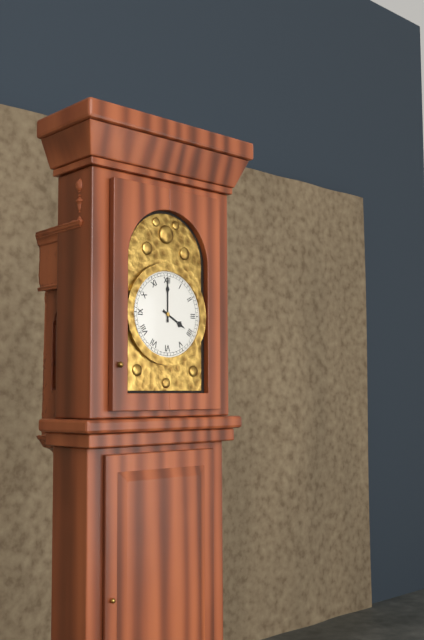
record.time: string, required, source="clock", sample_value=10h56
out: 4h00
